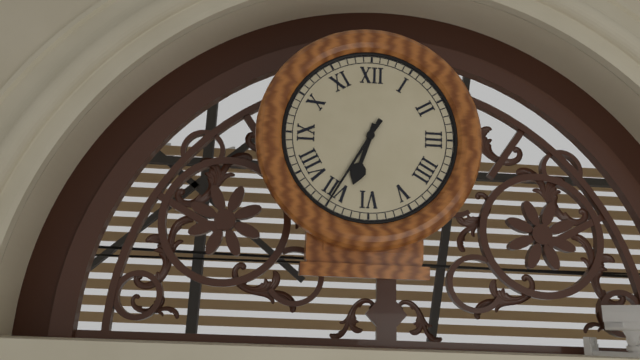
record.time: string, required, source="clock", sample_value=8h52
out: 6h35
